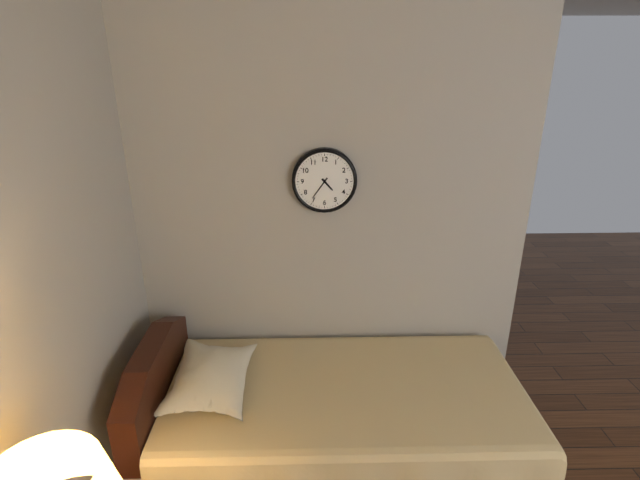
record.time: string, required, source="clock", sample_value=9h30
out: 4h36
